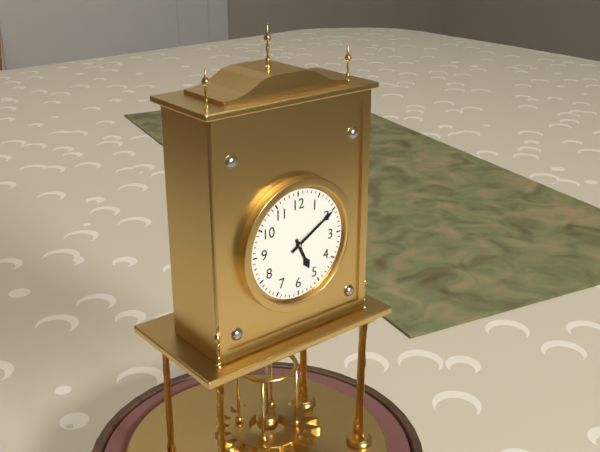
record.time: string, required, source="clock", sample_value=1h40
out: 5h10
